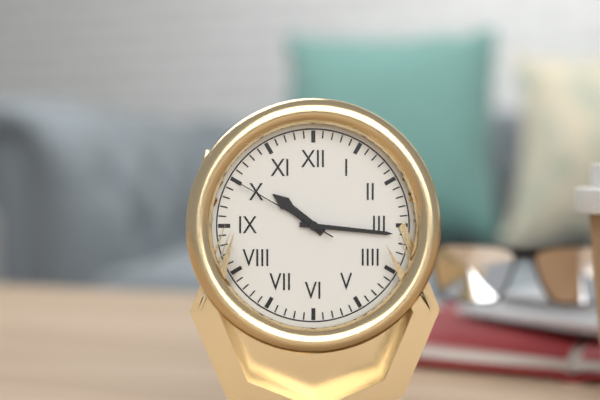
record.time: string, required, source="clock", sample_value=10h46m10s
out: 10h16m50s
